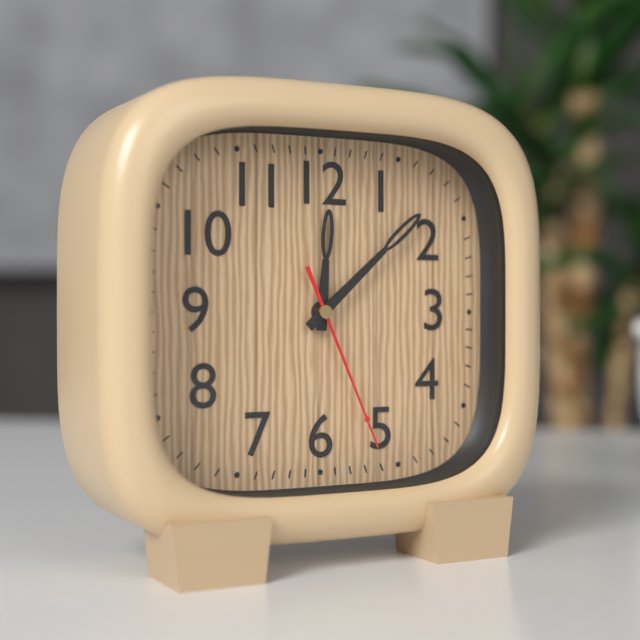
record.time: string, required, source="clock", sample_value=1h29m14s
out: 12h08m26s
